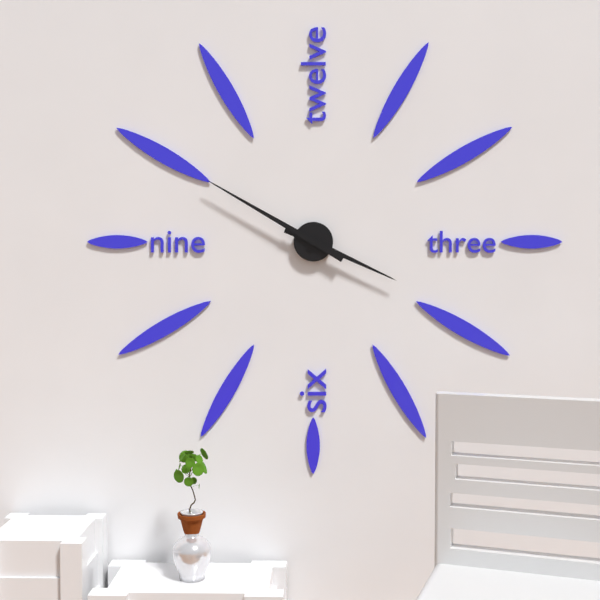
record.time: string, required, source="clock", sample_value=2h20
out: 3h50
